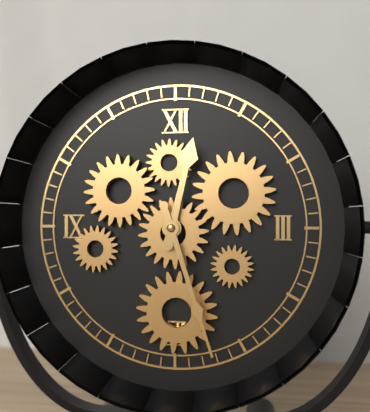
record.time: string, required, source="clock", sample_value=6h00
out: 12h27
